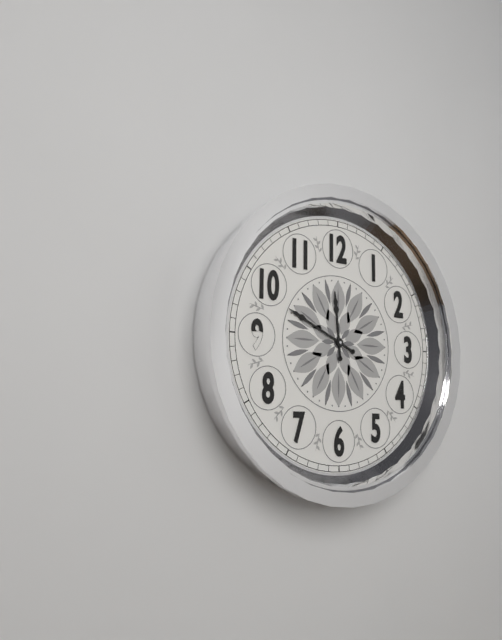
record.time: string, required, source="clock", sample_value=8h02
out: 11h49
